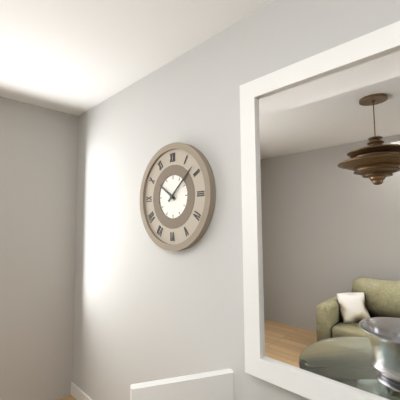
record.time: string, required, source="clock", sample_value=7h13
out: 10h08
